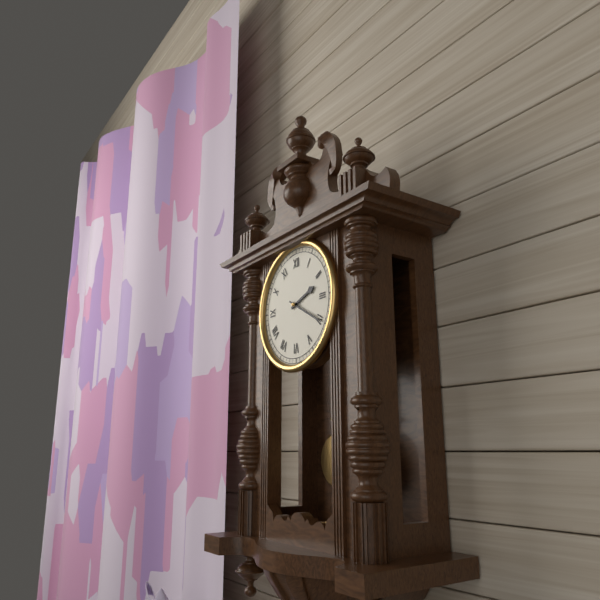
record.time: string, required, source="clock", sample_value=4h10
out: 2h20
